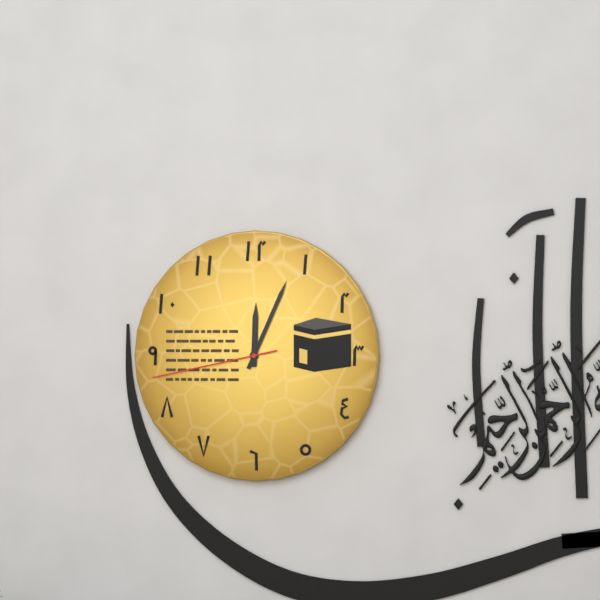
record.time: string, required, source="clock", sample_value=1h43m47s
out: 12h04m43s
